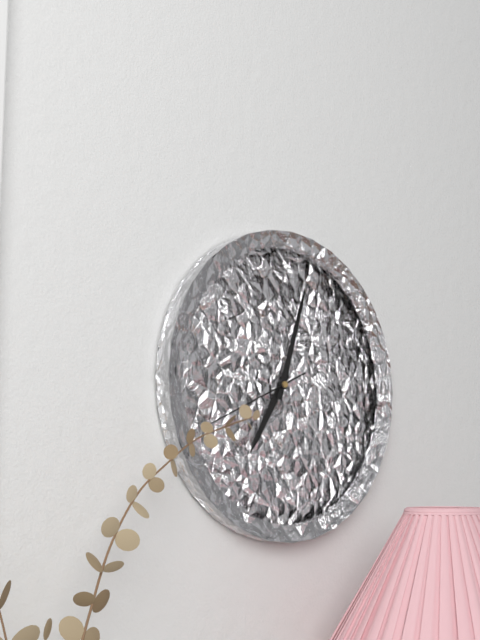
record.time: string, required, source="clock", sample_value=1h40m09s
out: 7h03m41s
